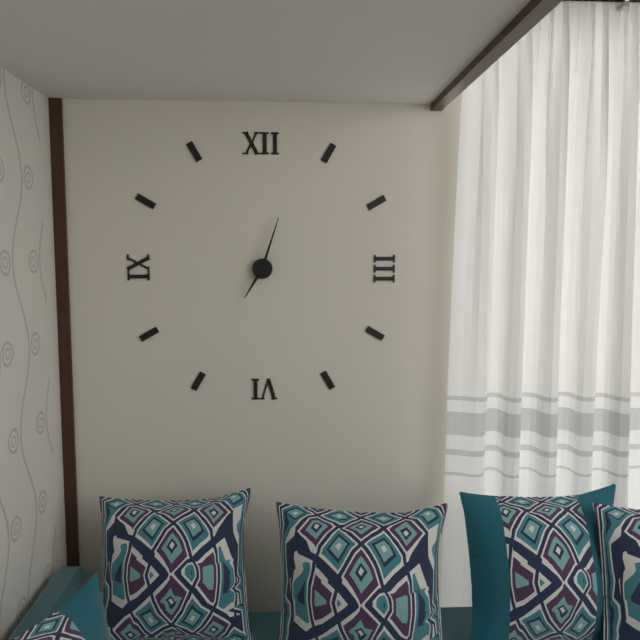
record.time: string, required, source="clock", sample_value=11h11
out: 7h03
